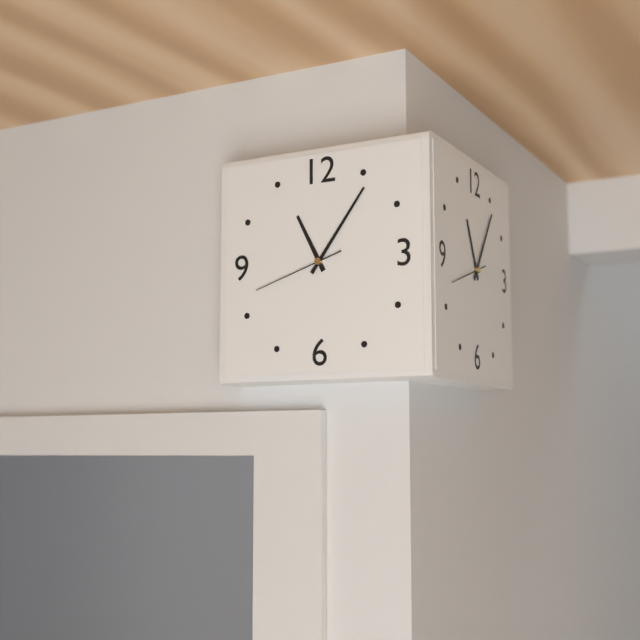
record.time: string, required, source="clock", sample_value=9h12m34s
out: 11h06m42s
